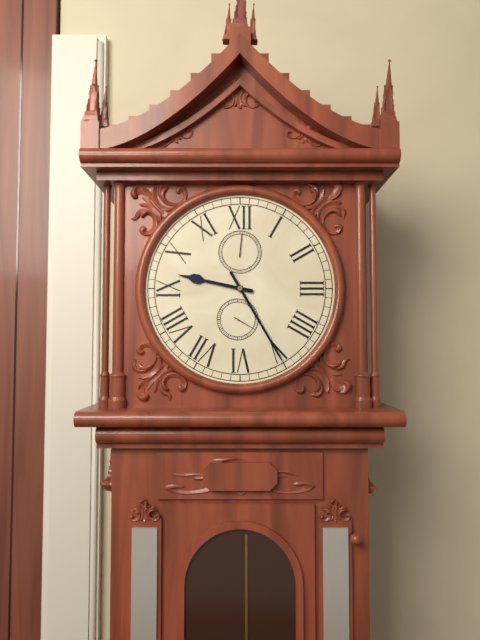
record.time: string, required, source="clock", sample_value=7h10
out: 9h25
